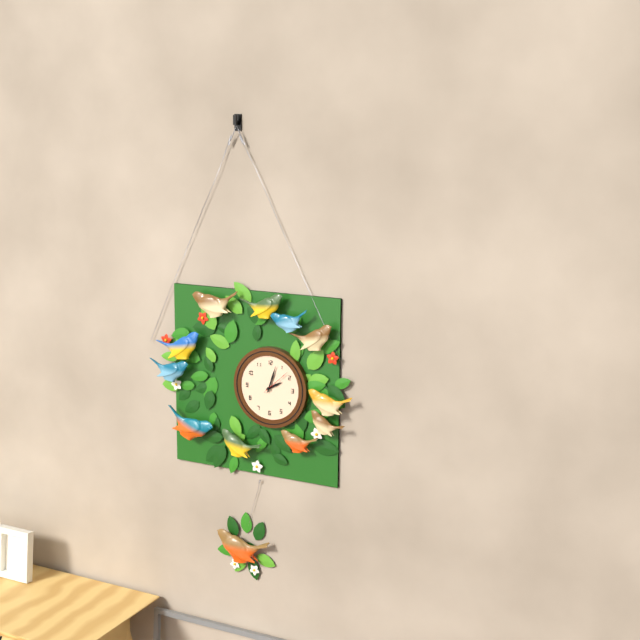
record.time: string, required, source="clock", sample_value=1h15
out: 2h03
